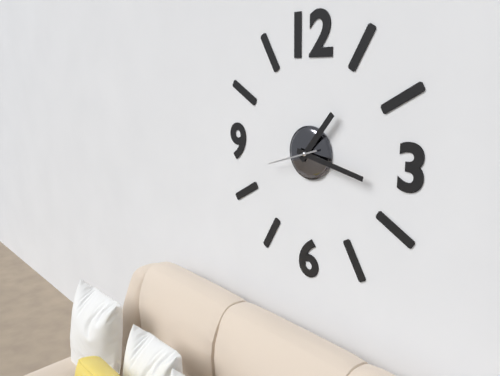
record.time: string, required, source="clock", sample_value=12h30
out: 1h17
